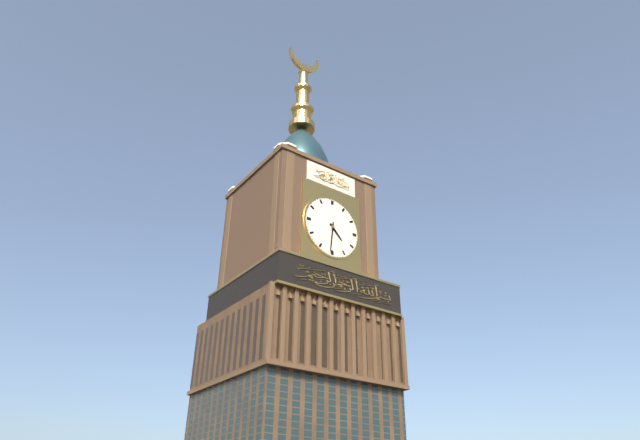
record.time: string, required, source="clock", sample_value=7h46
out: 4h31
